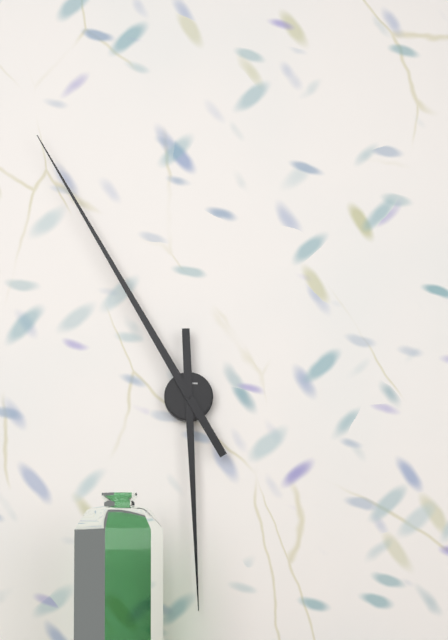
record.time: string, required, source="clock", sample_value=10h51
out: 5h55
